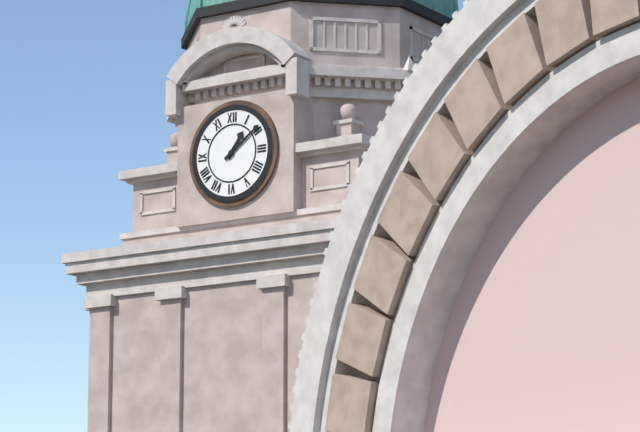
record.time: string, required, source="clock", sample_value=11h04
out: 1h09
